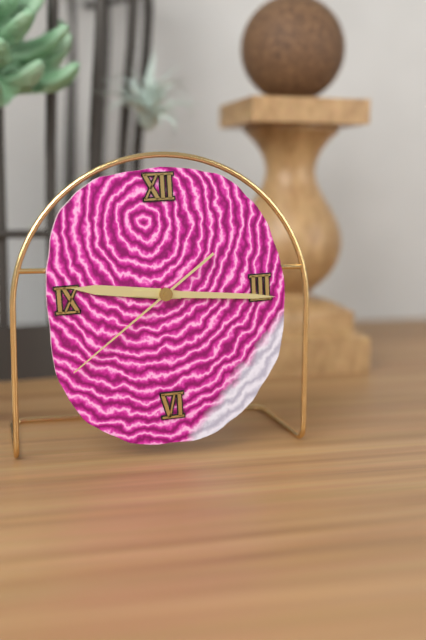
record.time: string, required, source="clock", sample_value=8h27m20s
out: 9h16m39s
